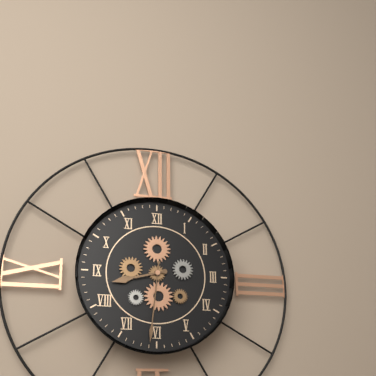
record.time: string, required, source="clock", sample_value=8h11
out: 8h31
